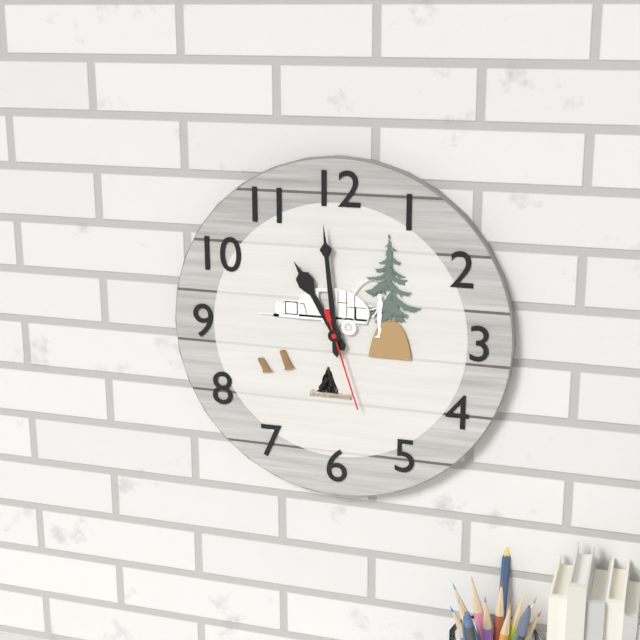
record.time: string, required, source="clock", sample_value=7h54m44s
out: 10h59m27s
